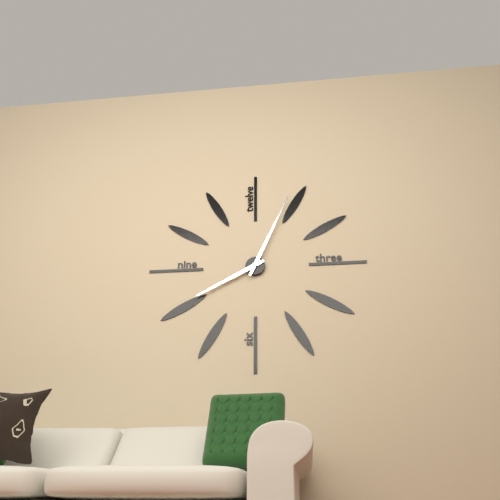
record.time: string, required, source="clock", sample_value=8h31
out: 8h04
